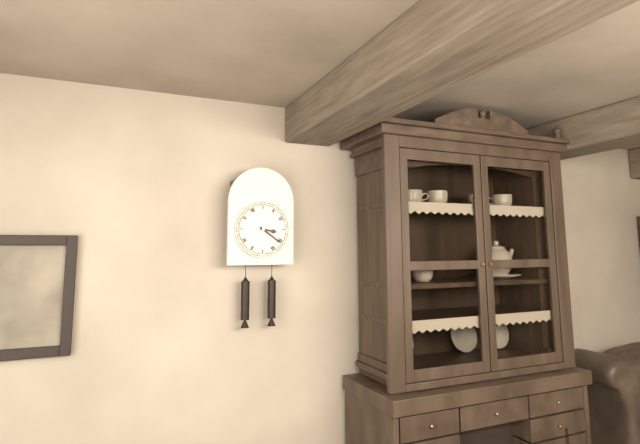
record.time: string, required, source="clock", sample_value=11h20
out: 3h21
